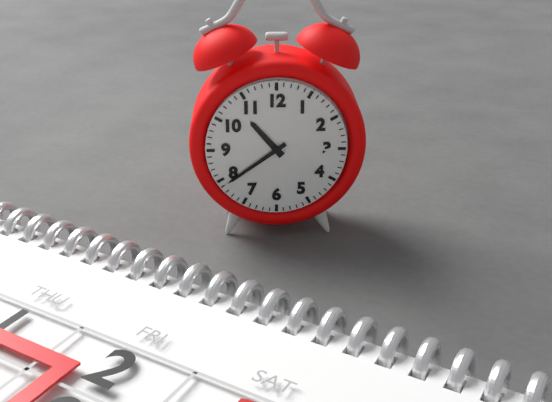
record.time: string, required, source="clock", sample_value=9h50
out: 10h39
